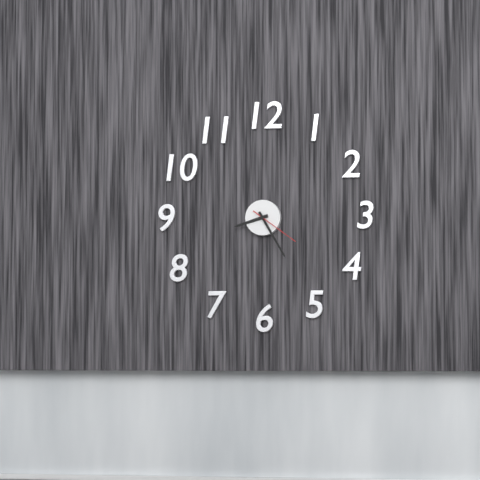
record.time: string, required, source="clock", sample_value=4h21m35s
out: 8h25m21s
